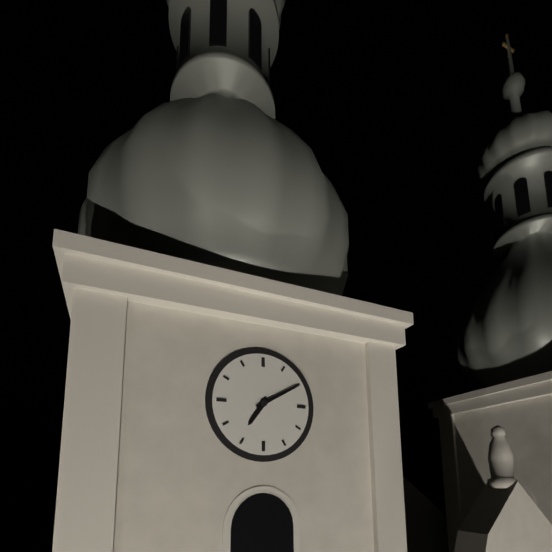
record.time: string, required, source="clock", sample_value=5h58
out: 7h10
